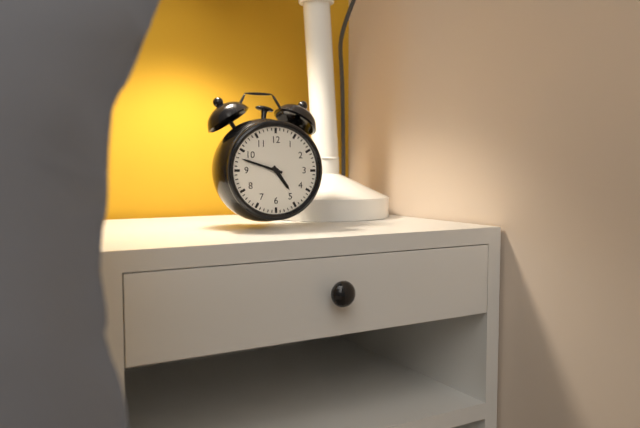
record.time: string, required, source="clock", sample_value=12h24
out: 4h48
